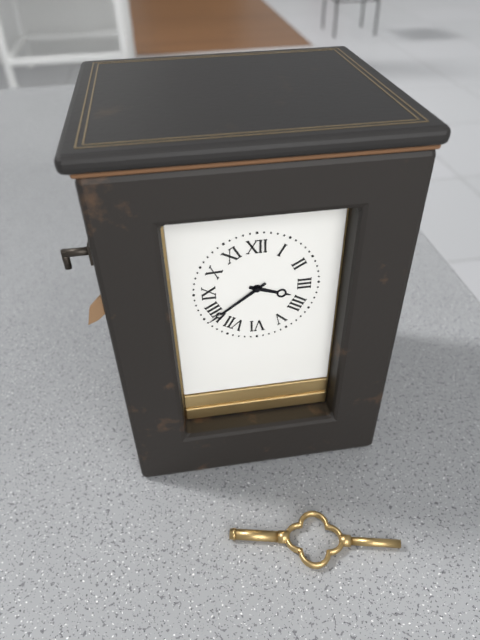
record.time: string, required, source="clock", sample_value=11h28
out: 3h39
